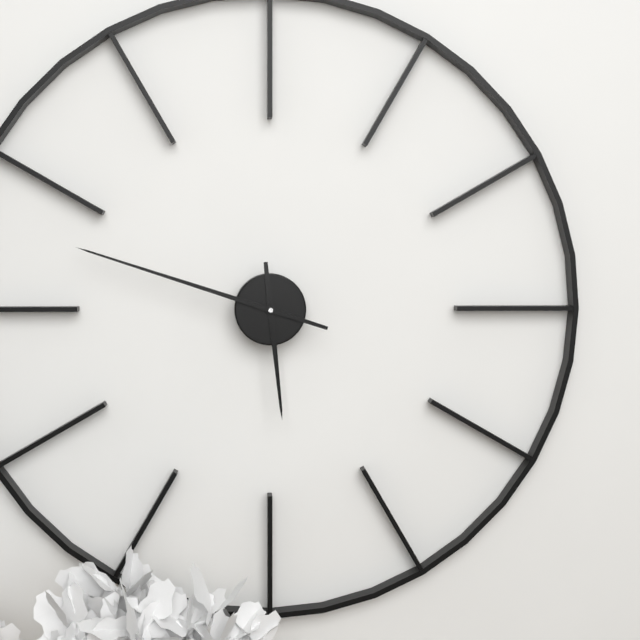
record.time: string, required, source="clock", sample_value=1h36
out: 5h48
